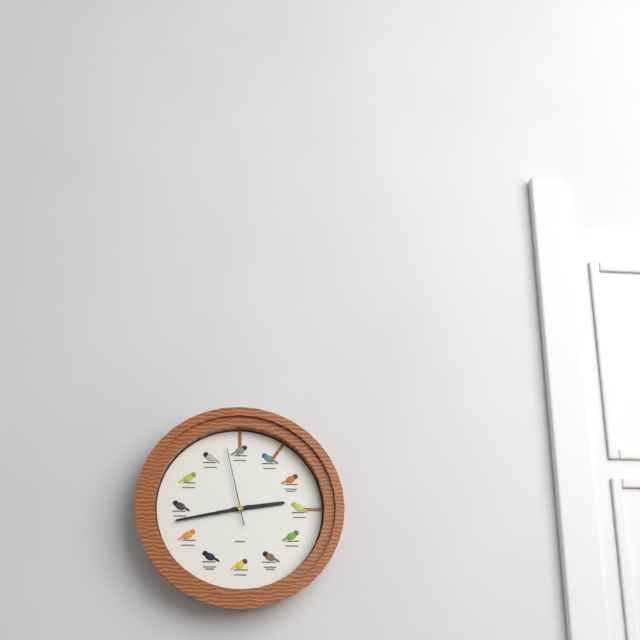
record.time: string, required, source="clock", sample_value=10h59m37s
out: 2h43m58s
